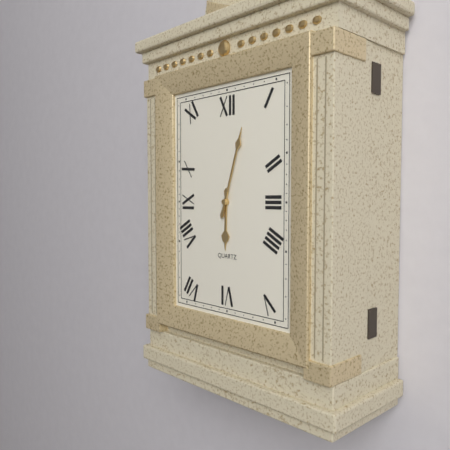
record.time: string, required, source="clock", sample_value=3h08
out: 6h03
